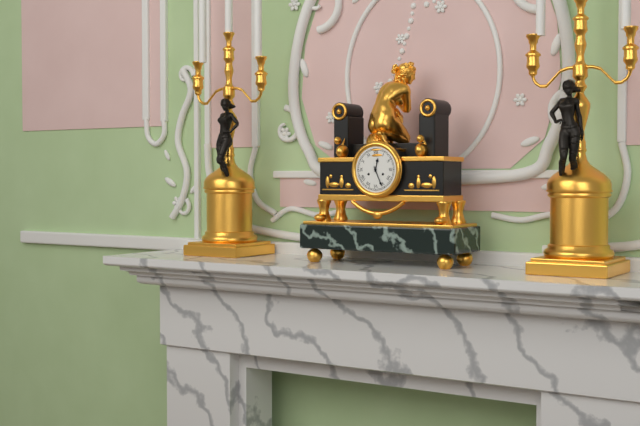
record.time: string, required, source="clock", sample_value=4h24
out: 12h26
